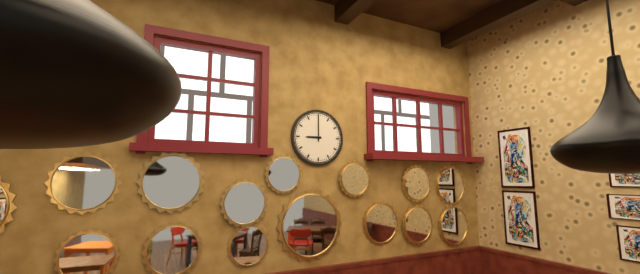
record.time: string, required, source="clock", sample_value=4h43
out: 9h00
